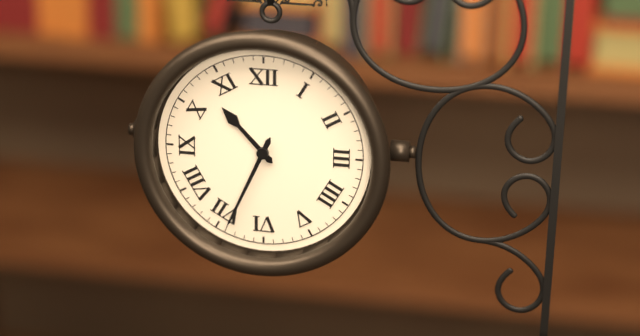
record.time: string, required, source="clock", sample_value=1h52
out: 10h34
